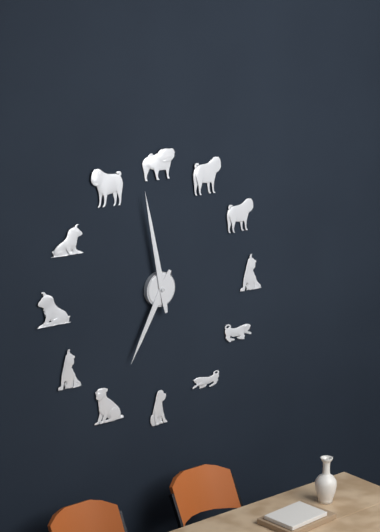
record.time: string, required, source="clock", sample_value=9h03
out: 6h58
